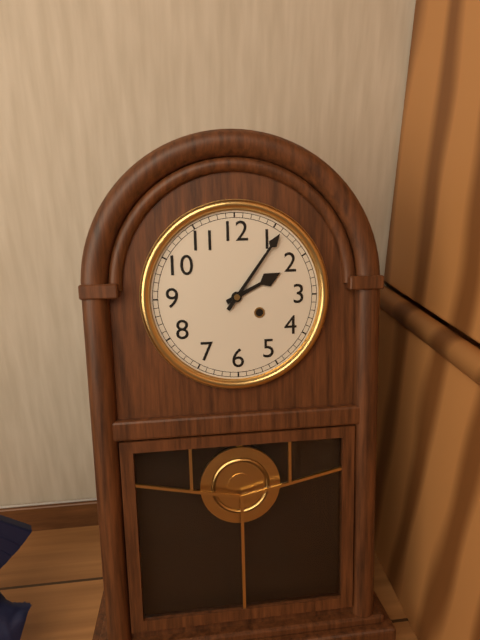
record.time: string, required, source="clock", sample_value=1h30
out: 2h06
